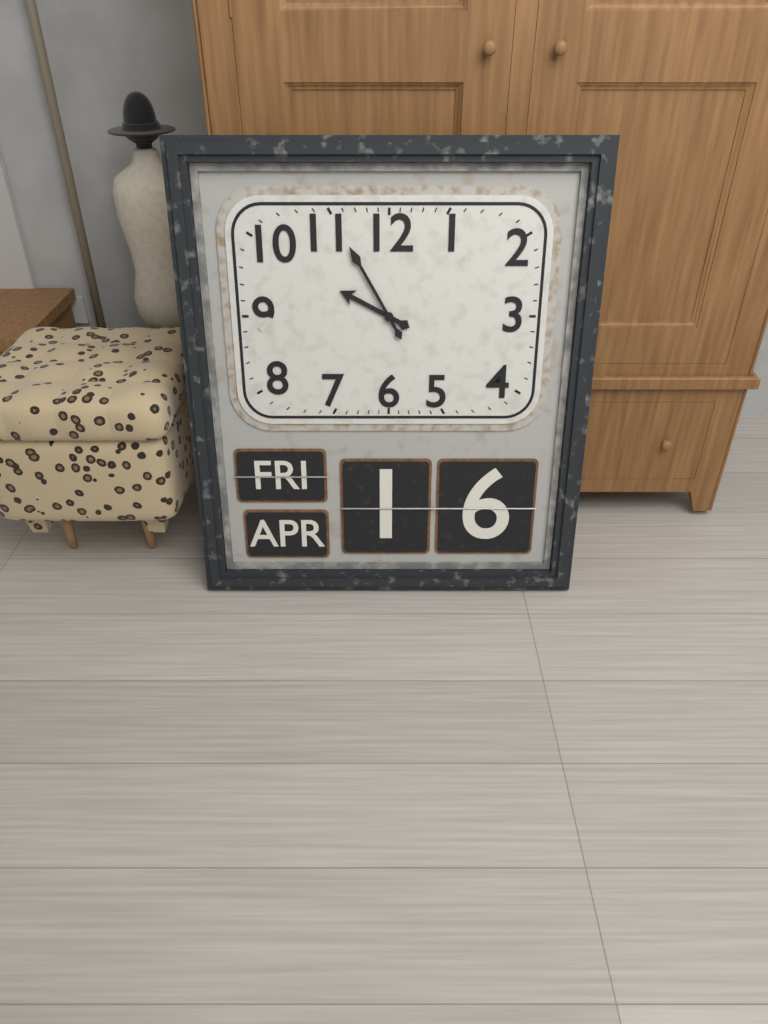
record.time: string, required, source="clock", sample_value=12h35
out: 9h55
